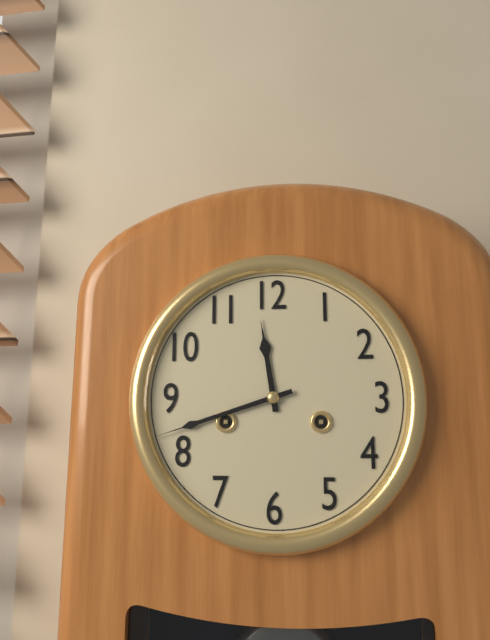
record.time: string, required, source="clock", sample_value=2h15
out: 11h42
